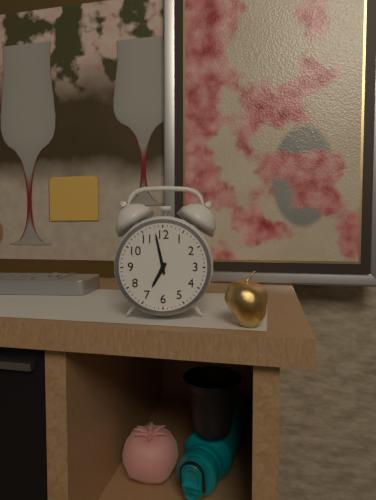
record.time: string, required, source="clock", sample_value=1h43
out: 6h58
